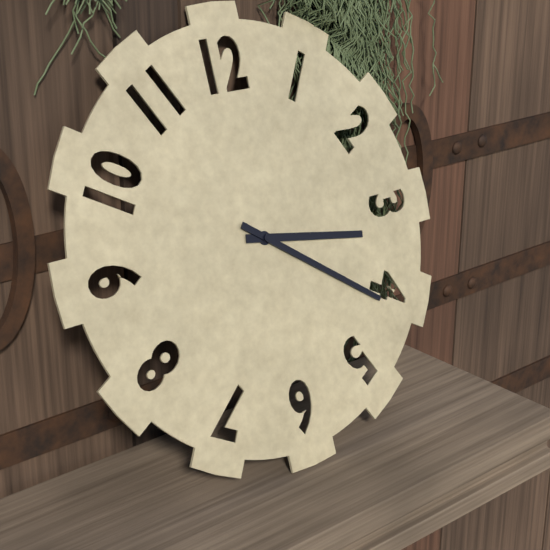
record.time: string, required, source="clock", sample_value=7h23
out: 3h21
